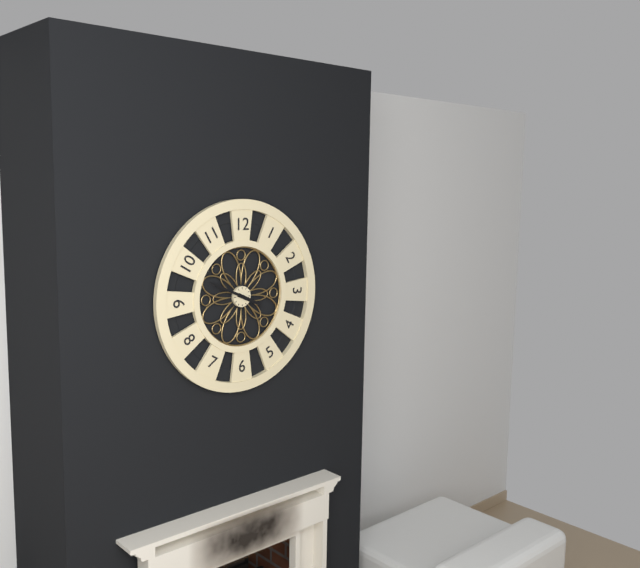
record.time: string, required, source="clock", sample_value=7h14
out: 3h49
